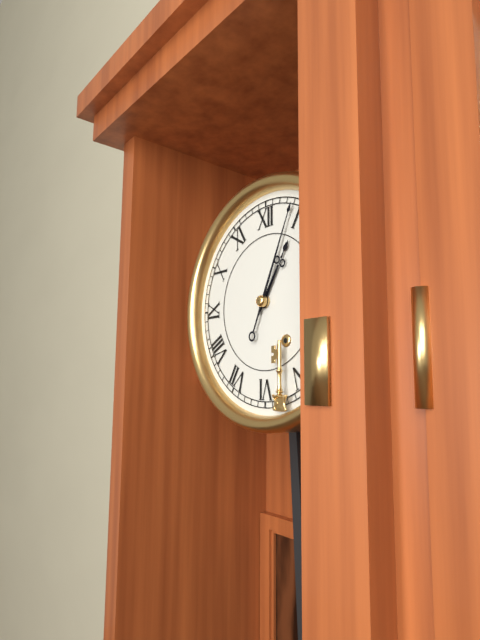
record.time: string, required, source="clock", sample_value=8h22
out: 1h04
